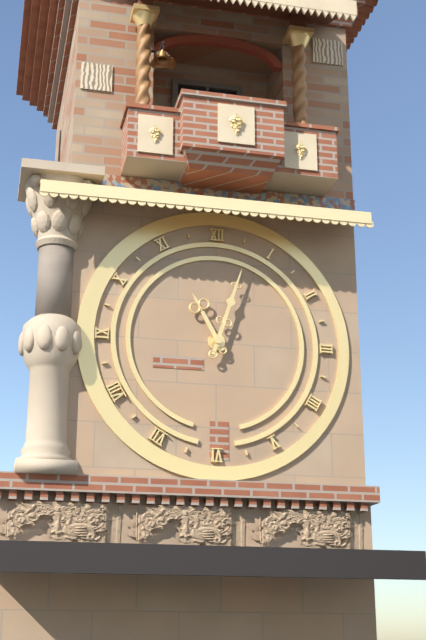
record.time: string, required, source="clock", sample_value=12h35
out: 11h03
